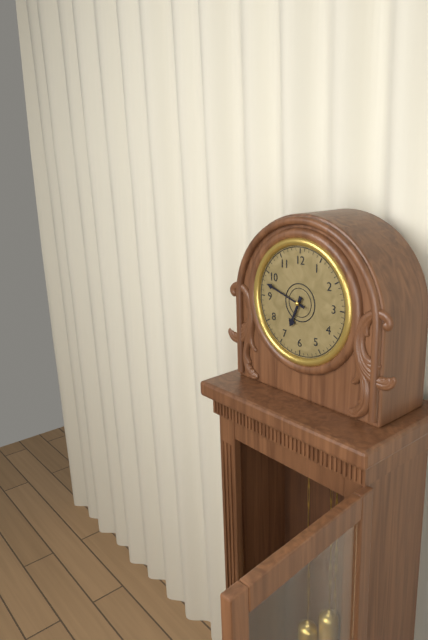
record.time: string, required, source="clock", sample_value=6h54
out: 6h48
